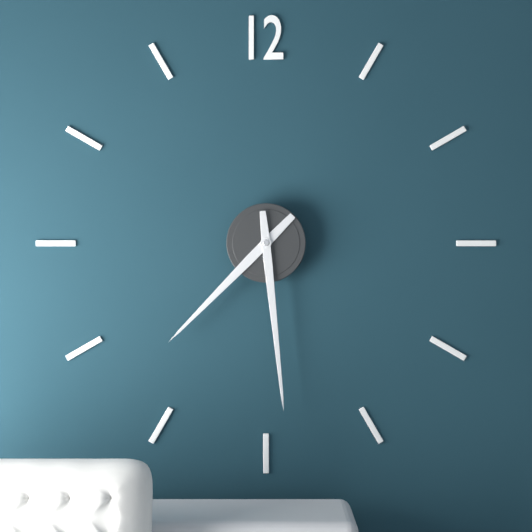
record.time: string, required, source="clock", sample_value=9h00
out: 7h29
